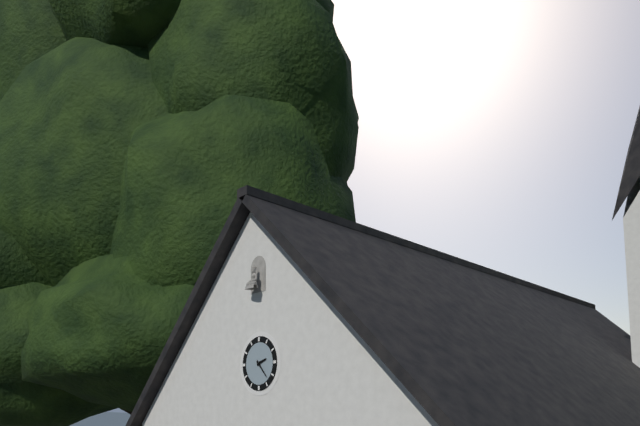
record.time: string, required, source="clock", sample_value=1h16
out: 2h23
